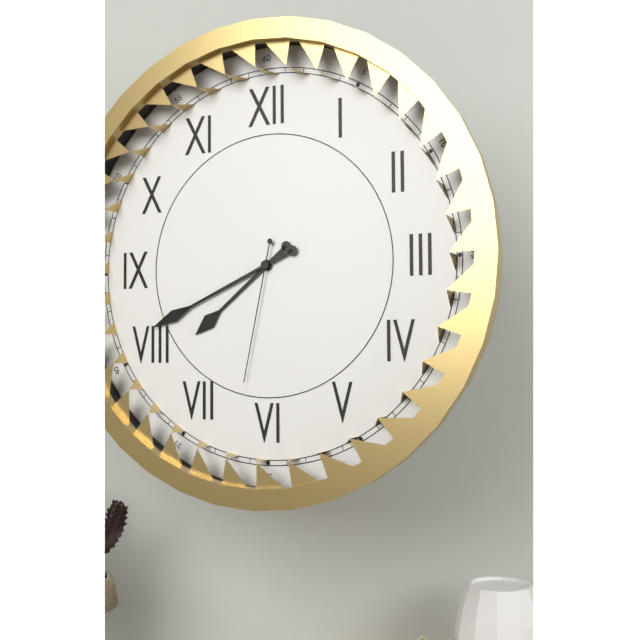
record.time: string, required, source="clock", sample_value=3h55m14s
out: 7h41m32s
